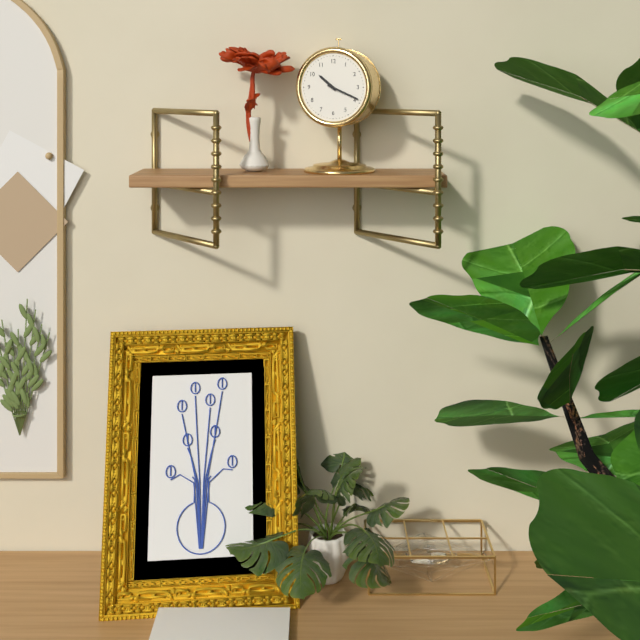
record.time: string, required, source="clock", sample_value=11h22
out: 10h19
